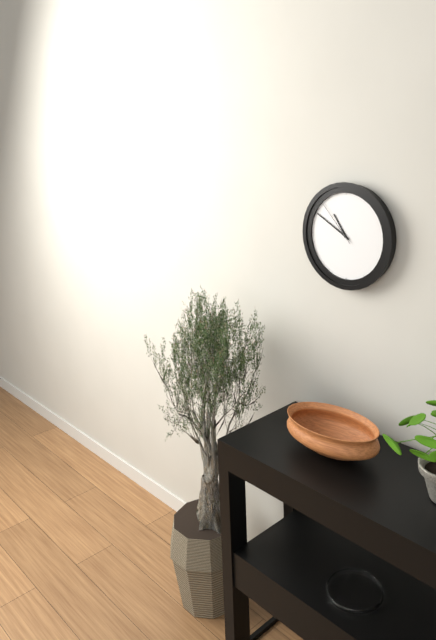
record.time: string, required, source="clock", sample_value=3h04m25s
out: 10h50m53s
